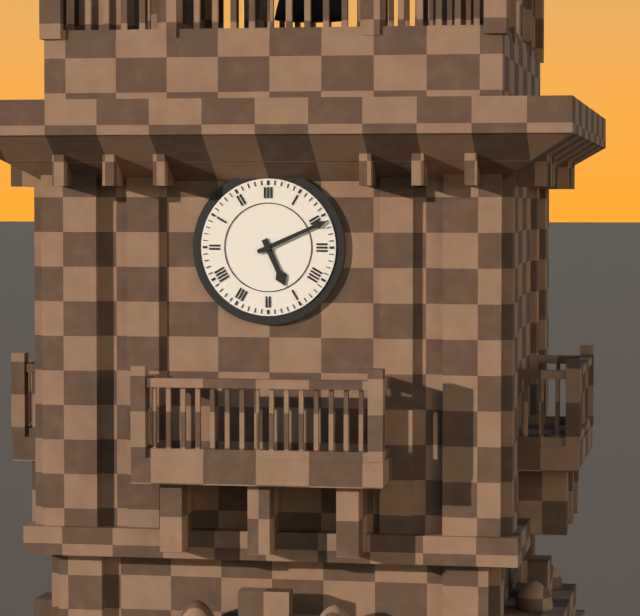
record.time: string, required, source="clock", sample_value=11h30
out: 5h11
